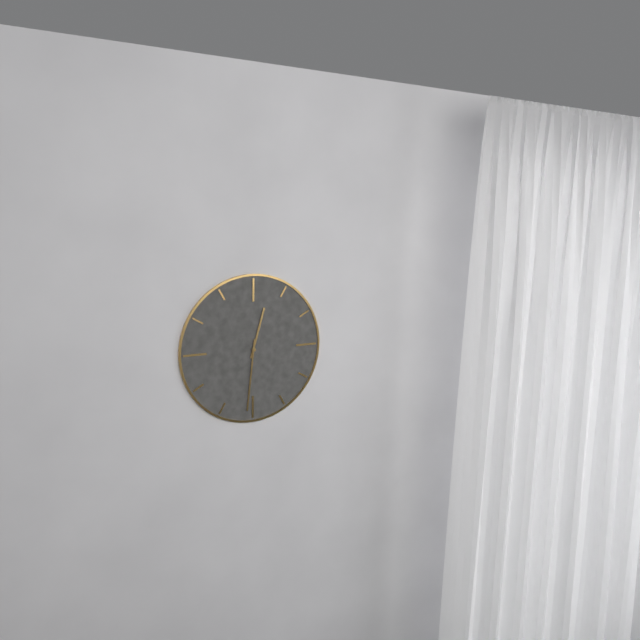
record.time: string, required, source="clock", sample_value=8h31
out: 12h31
